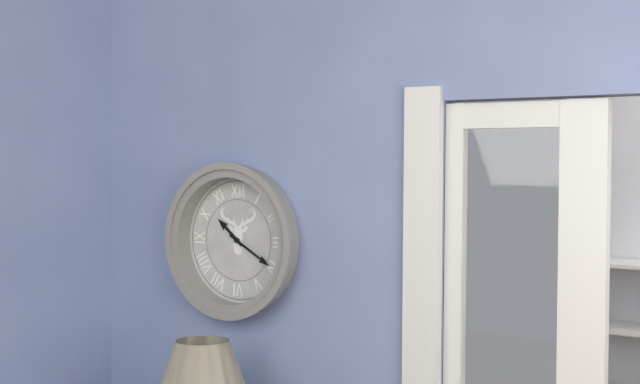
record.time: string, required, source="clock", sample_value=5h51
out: 10h20
